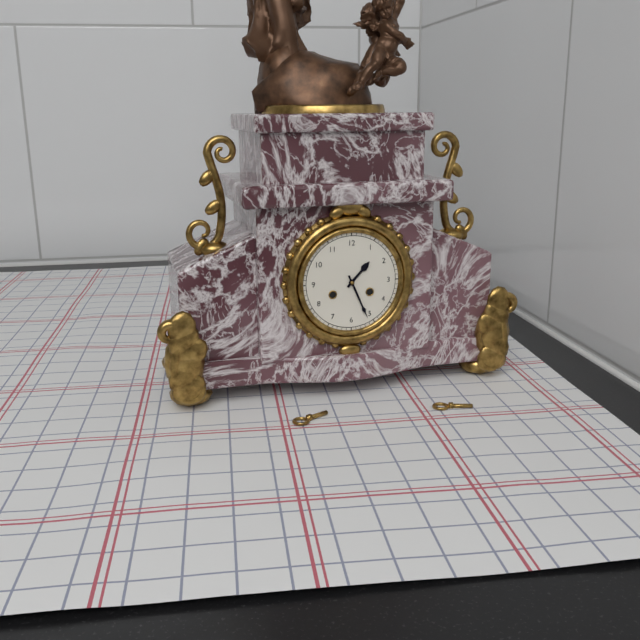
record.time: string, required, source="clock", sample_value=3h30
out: 1h26
